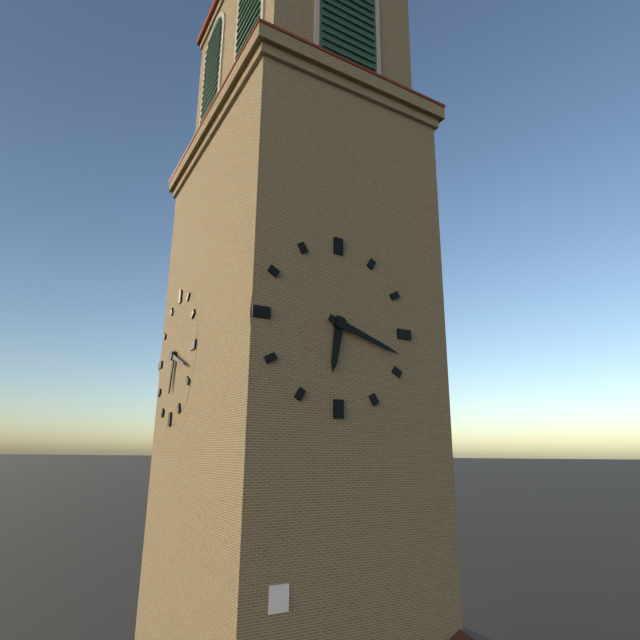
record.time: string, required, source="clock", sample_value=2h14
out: 6h18
